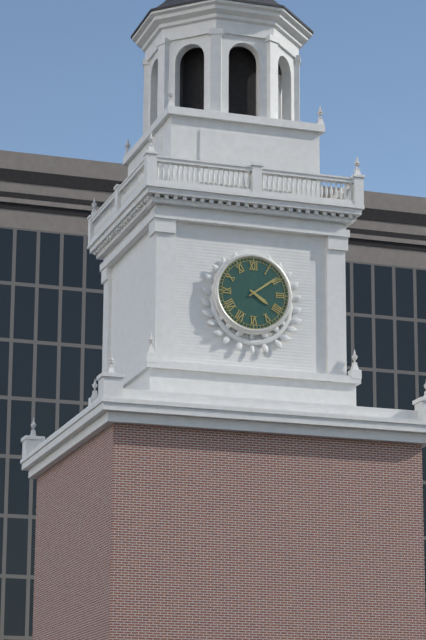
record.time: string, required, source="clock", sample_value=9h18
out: 4h09
